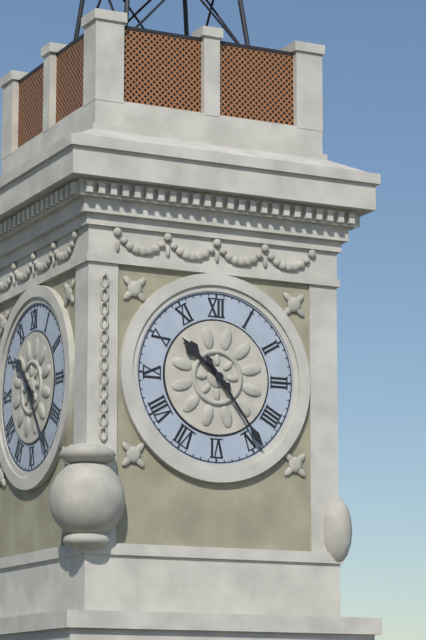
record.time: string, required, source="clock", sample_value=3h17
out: 10h24
